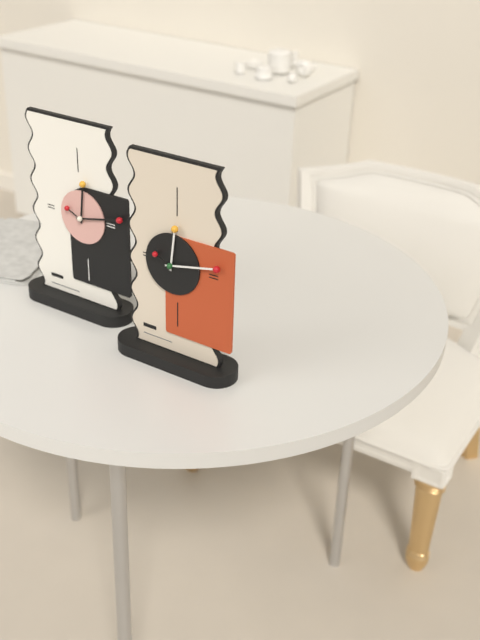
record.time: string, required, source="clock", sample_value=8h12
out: 12h13
